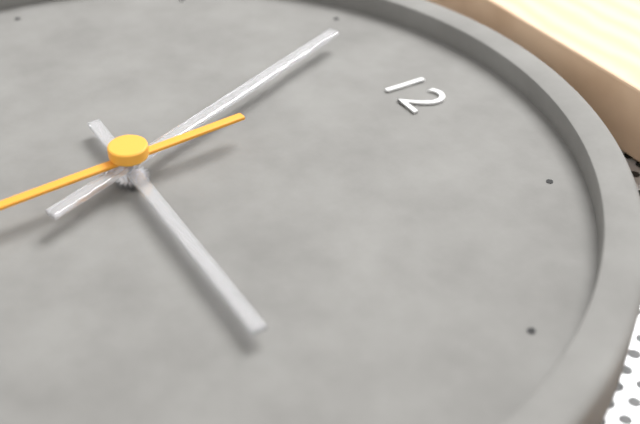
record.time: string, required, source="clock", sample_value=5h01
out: 2h56
